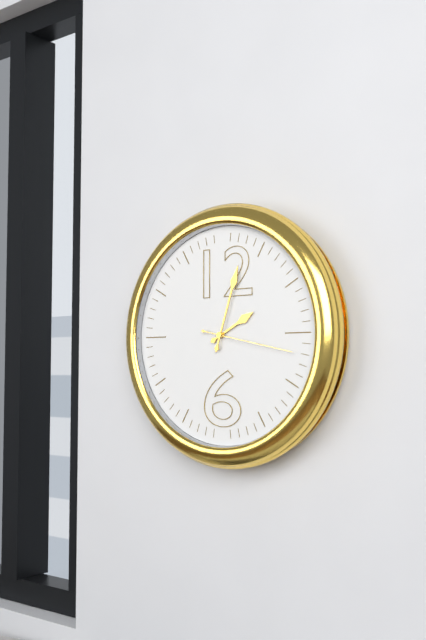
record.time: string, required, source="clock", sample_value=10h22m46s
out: 2h03m17s
